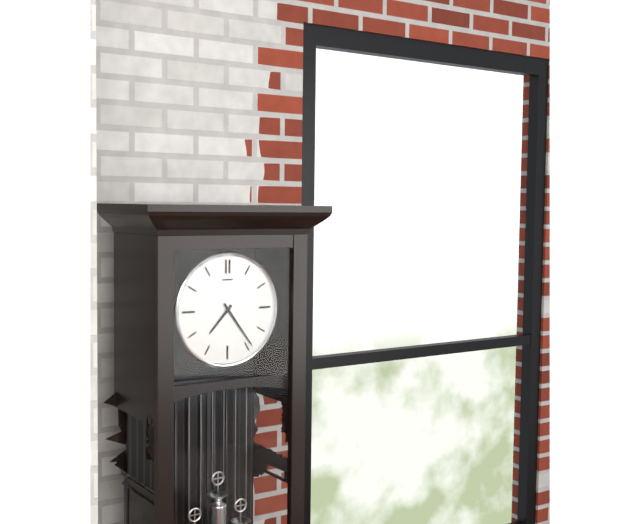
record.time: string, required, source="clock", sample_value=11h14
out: 7h24
